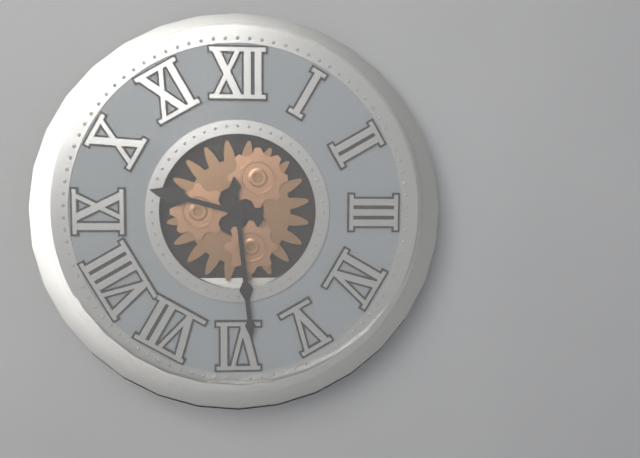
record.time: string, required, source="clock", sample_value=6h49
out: 9h29
